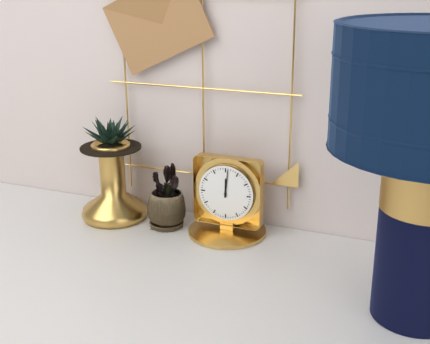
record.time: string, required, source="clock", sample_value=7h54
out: 12h01
